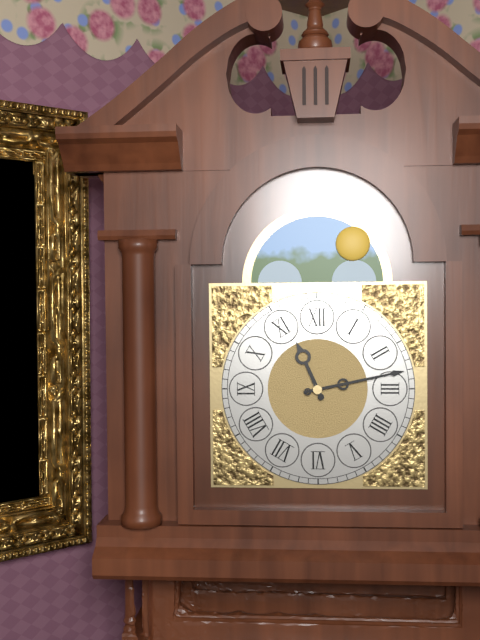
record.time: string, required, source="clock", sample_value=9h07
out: 11h13
